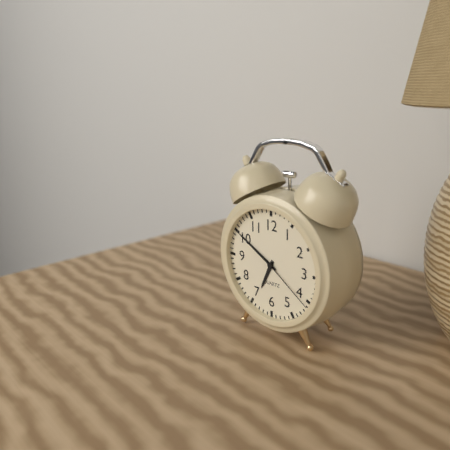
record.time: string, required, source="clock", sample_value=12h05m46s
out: 6h50m21s
